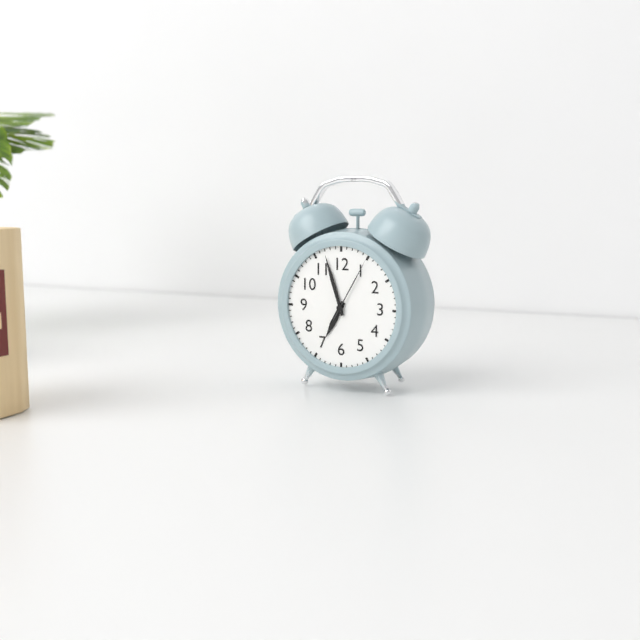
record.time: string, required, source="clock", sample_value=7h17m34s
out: 6h57m05s
